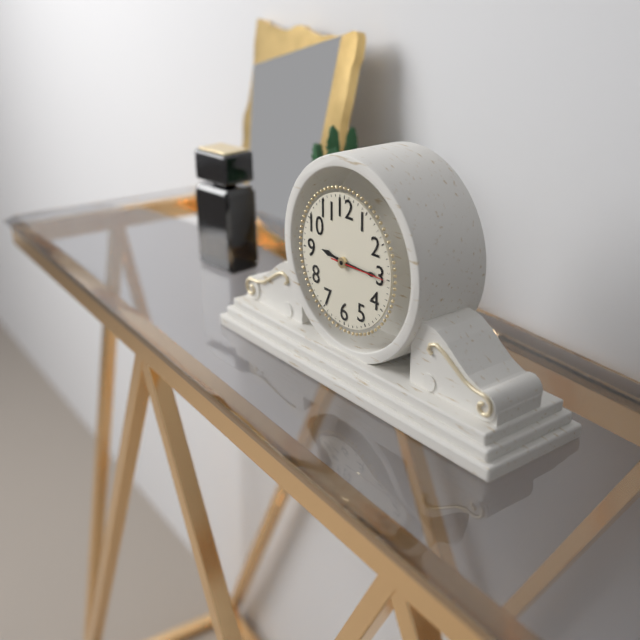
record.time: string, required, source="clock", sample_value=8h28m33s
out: 9h15m15s
